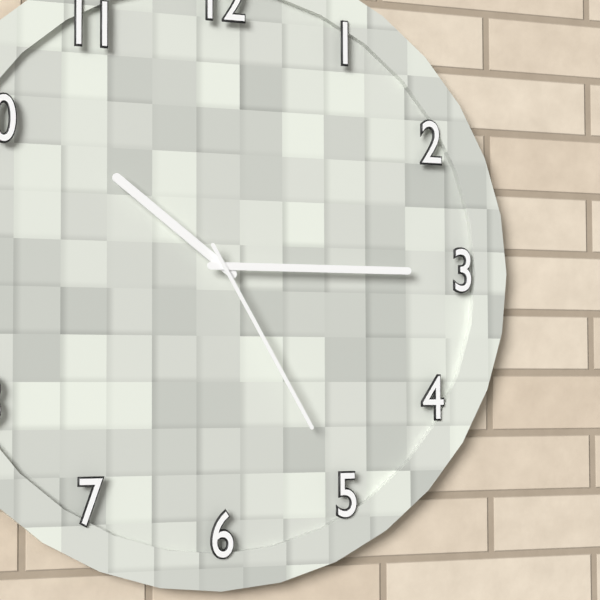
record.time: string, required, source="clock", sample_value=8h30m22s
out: 10h15m25s
